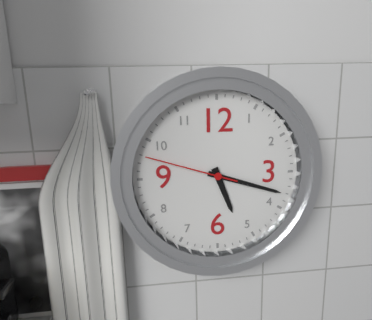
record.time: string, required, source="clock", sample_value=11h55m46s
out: 5h18m48s
